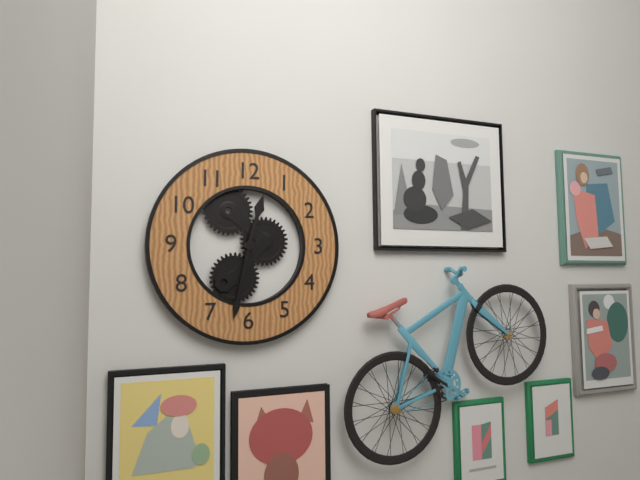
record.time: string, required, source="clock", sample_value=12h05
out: 12h32
